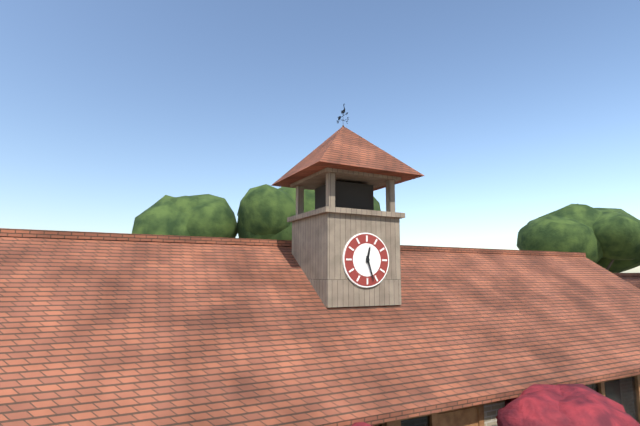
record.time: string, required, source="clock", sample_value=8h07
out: 12h27
